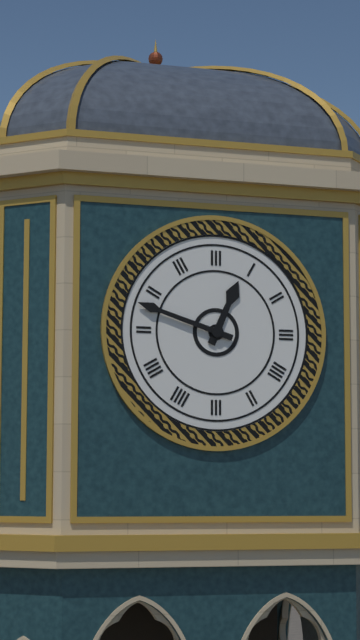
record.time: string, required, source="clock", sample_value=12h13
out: 12h48
